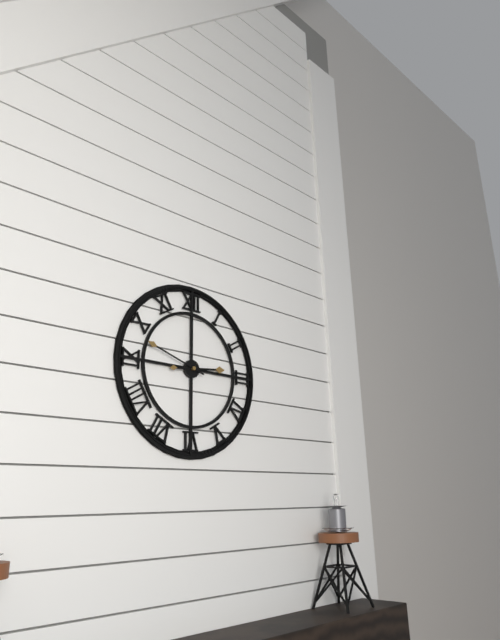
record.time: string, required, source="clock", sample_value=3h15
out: 2h48
